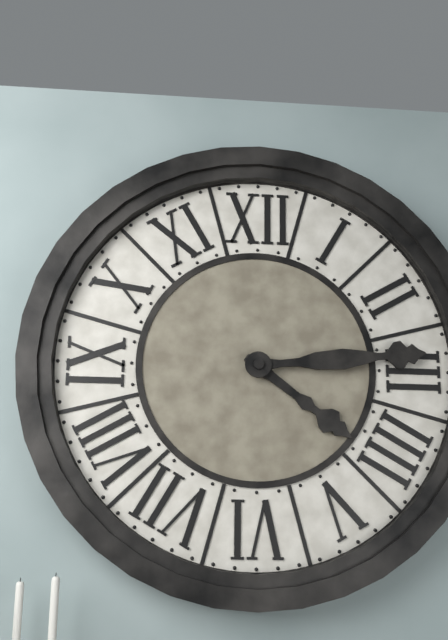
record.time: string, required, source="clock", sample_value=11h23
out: 4h14
